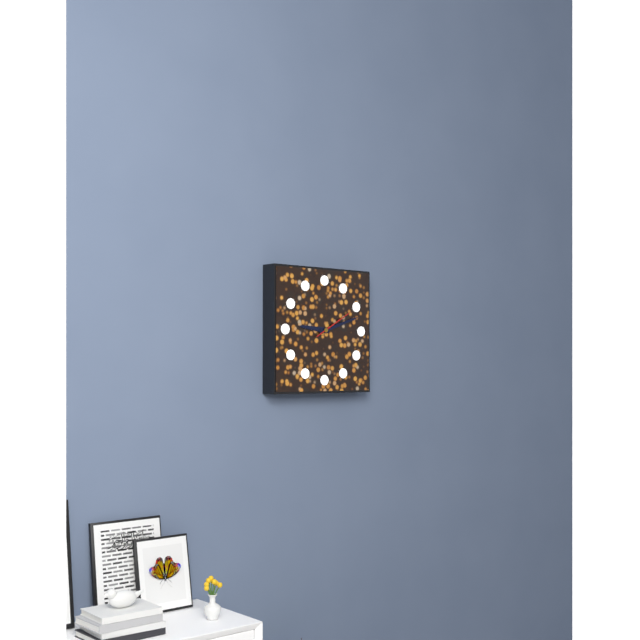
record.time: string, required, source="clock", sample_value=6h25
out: 9h12
